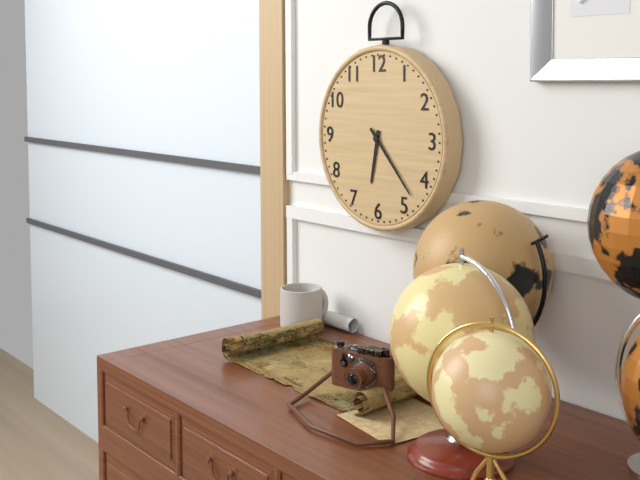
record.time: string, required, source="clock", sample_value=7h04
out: 6h23
